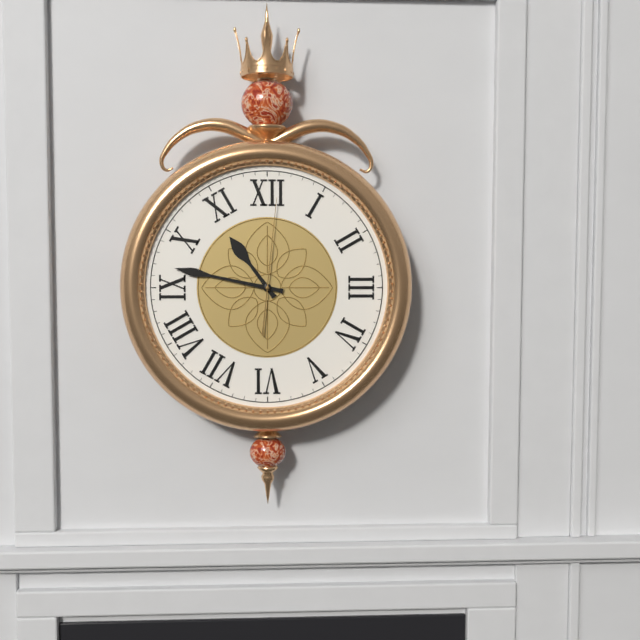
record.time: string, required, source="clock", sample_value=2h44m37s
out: 10h47m01s
